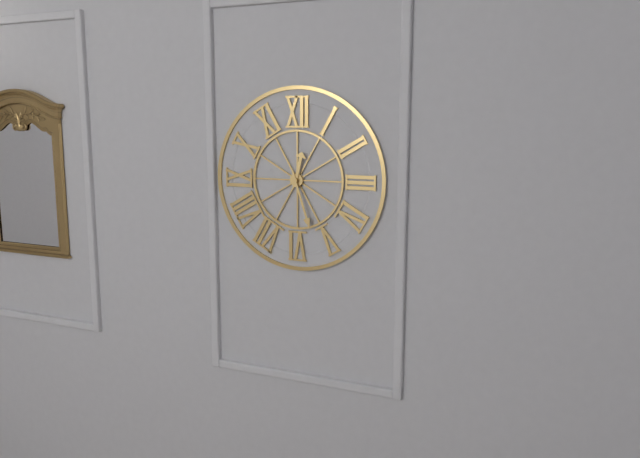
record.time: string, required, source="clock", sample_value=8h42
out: 12h27
